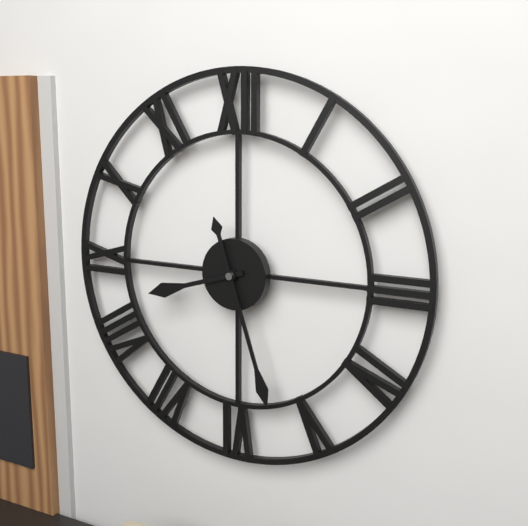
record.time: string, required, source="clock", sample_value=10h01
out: 8h27
